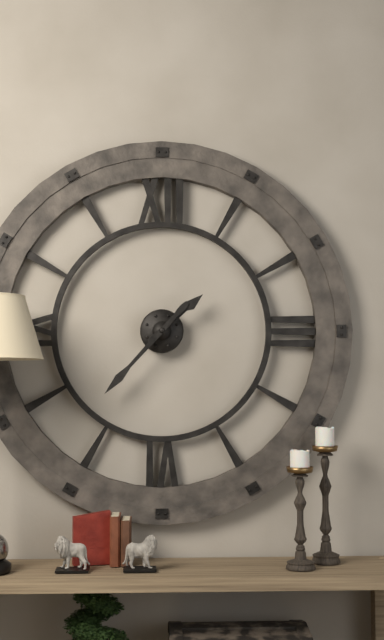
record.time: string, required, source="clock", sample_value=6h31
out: 1h37
